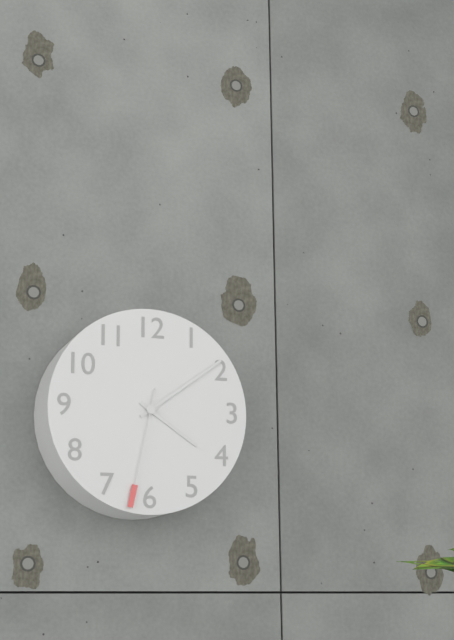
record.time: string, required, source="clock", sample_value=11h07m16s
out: 4h09m32s
